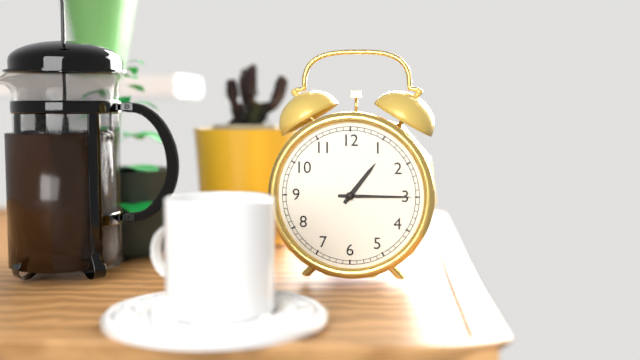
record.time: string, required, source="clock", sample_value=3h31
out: 1h15
